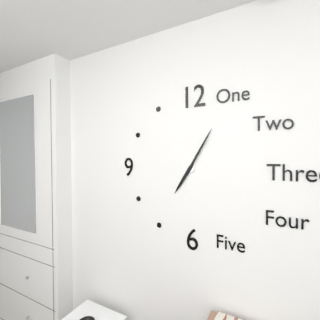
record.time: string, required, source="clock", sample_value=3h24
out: 7h05
